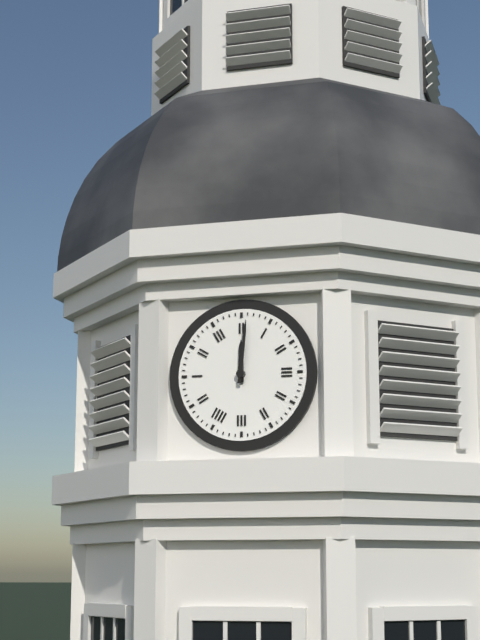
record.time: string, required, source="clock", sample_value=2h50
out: 12h01
